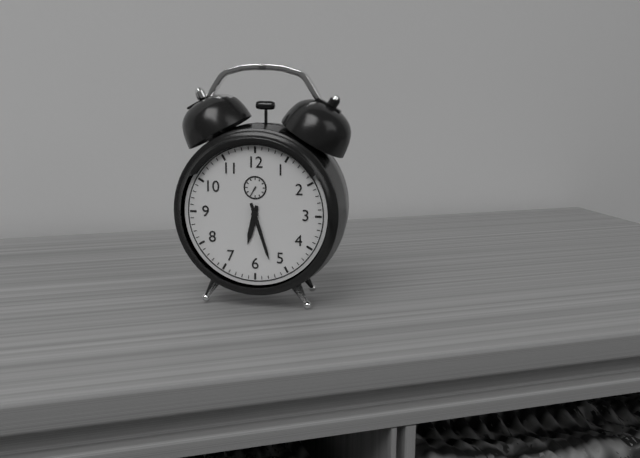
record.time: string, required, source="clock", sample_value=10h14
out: 6h27
